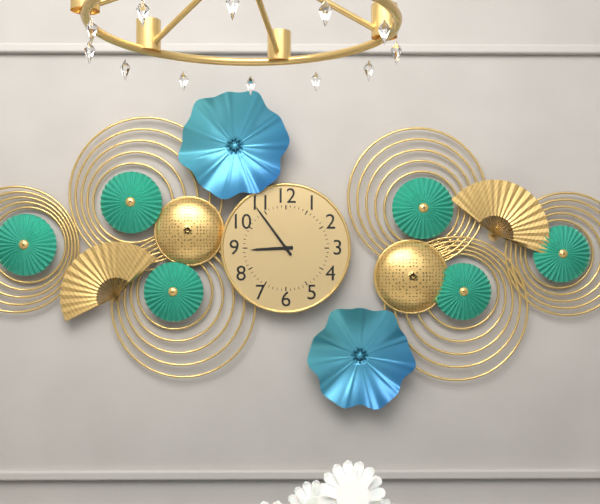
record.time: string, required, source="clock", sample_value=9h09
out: 8h54
